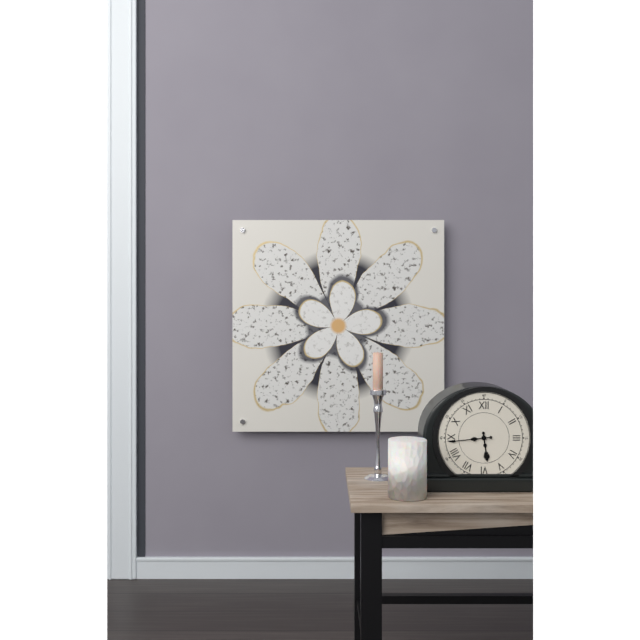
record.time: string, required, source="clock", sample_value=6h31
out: 5h44
